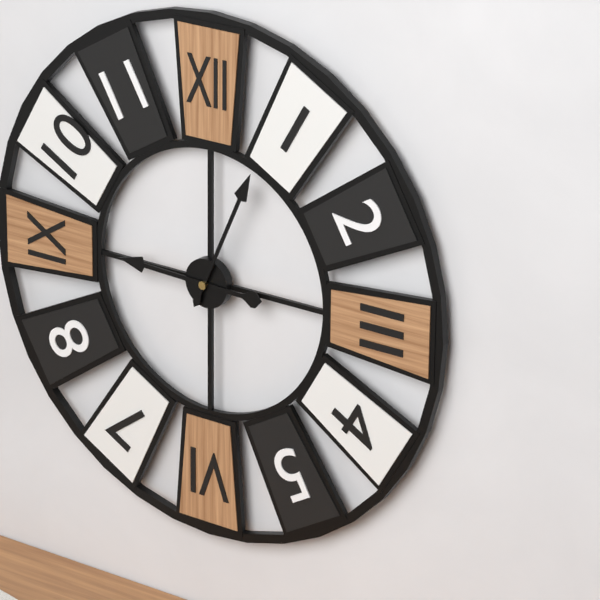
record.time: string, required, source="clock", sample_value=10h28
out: 9h04
